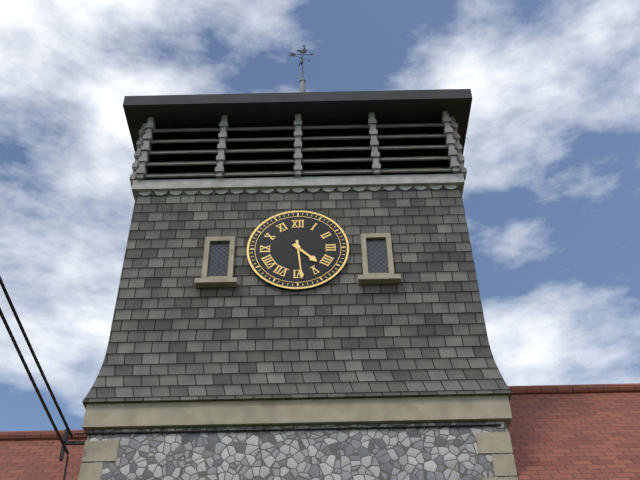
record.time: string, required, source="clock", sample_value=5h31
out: 4h29
